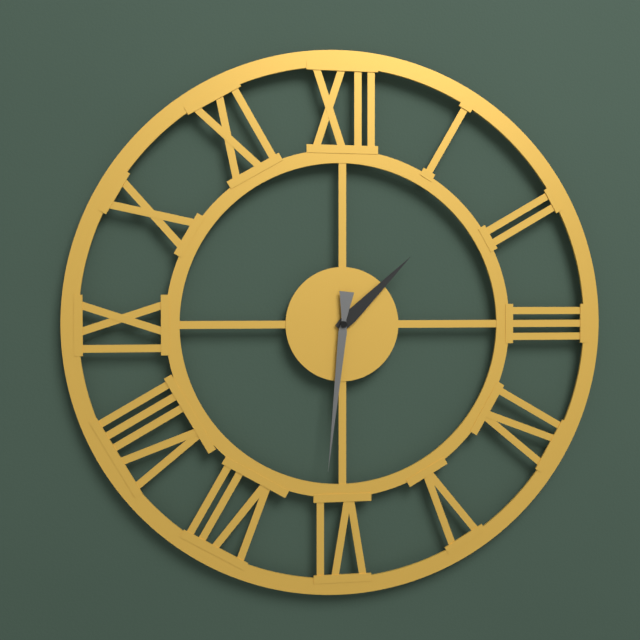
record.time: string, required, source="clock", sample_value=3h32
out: 1h31
